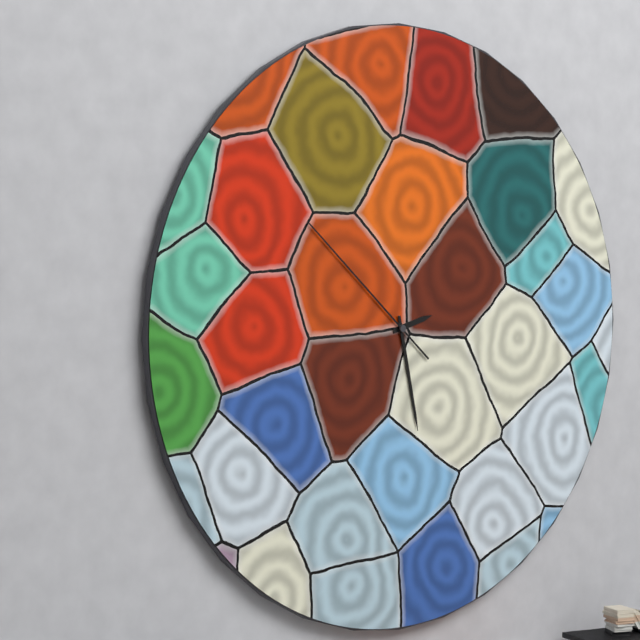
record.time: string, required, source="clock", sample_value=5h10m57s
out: 2h28m52s
